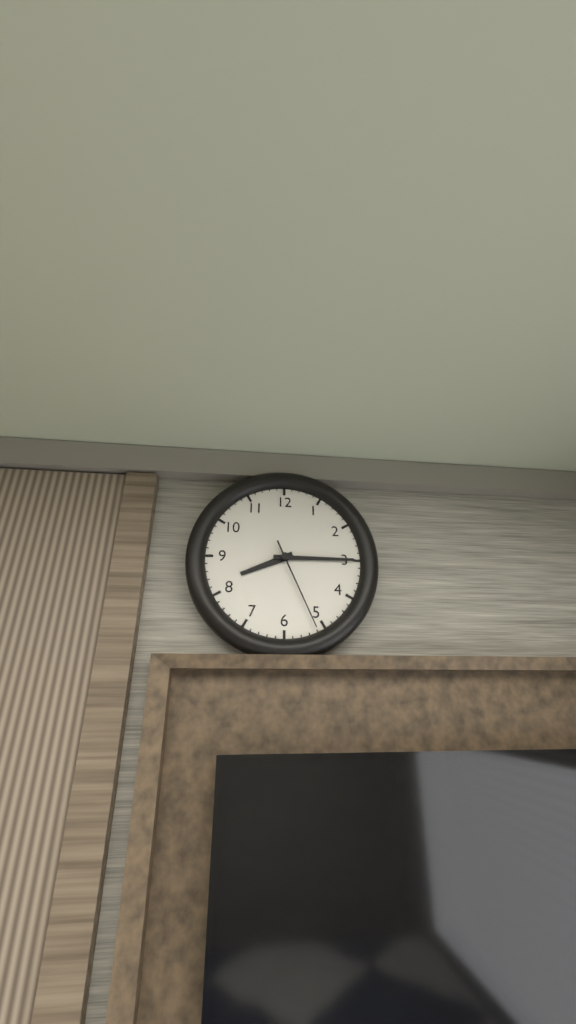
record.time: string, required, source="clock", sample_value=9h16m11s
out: 8h15m26s
